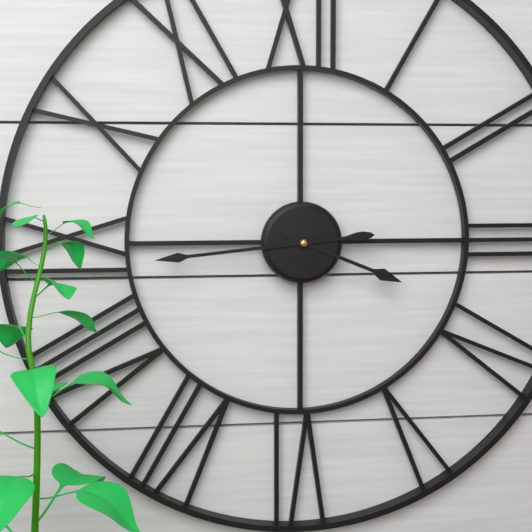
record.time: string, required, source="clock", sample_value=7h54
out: 3h44
